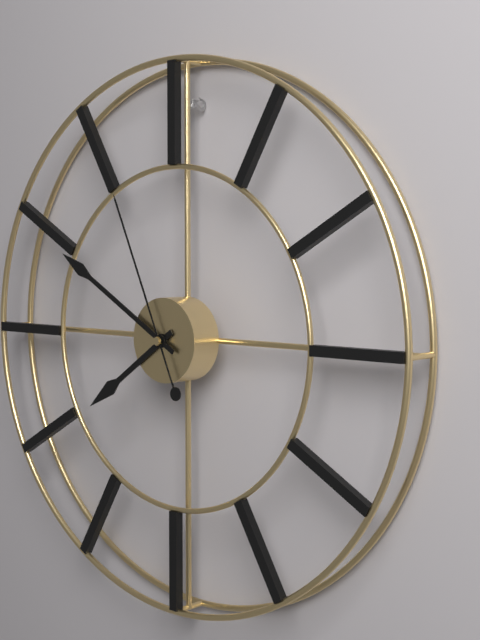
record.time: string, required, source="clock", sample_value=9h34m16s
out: 7h50m56s
